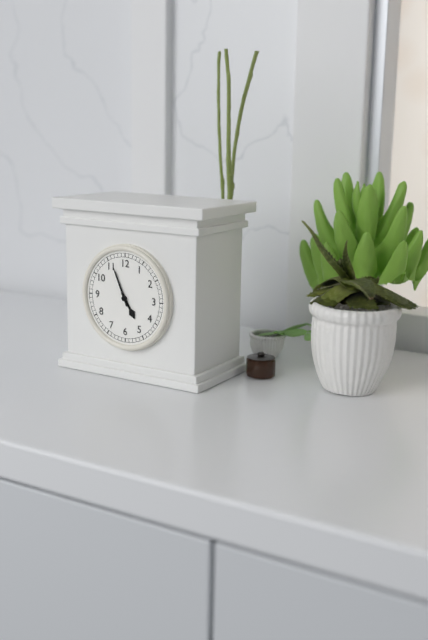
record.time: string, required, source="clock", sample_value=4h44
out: 4h56
